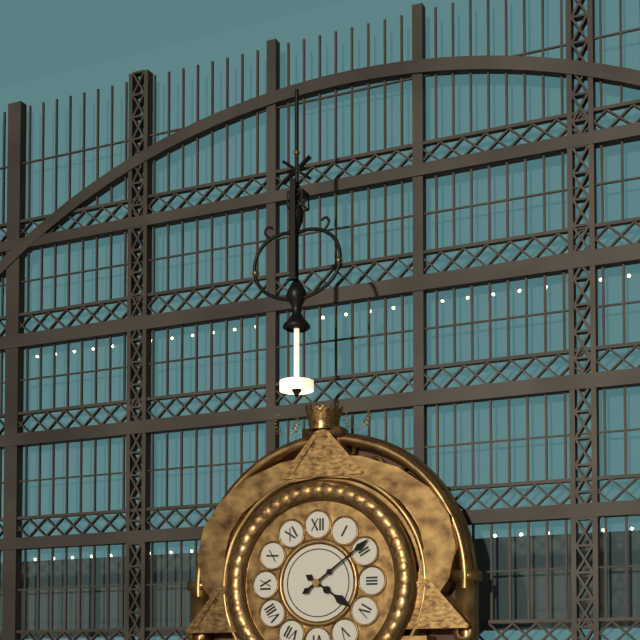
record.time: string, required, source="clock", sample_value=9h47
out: 4h09
